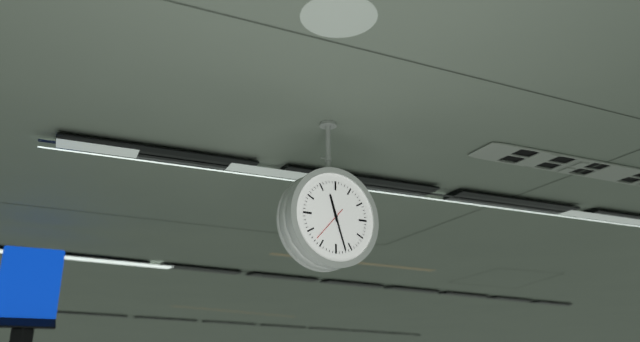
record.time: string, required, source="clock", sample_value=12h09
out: 11h27
